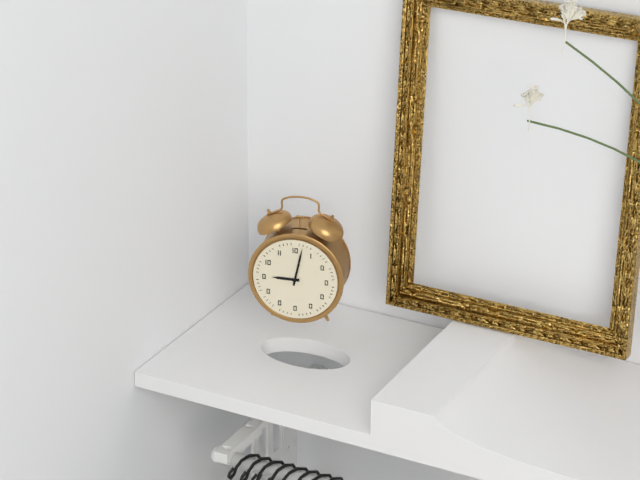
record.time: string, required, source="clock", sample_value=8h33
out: 9h02
